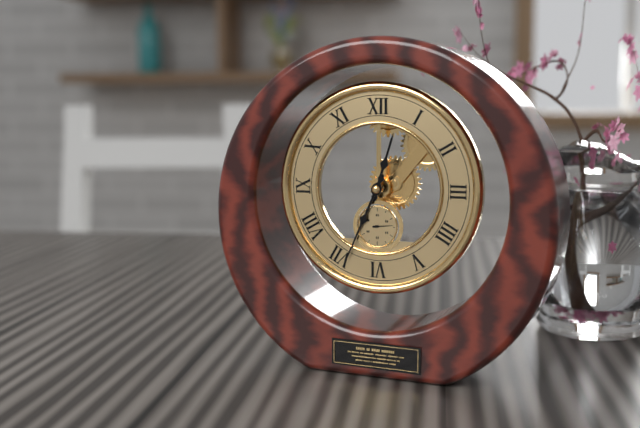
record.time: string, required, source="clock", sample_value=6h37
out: 12h34
